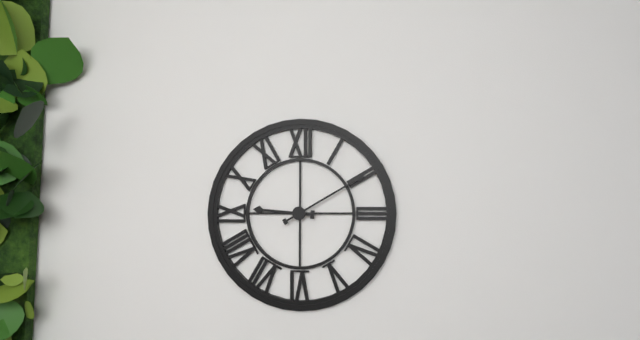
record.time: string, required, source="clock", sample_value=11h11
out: 9h10
